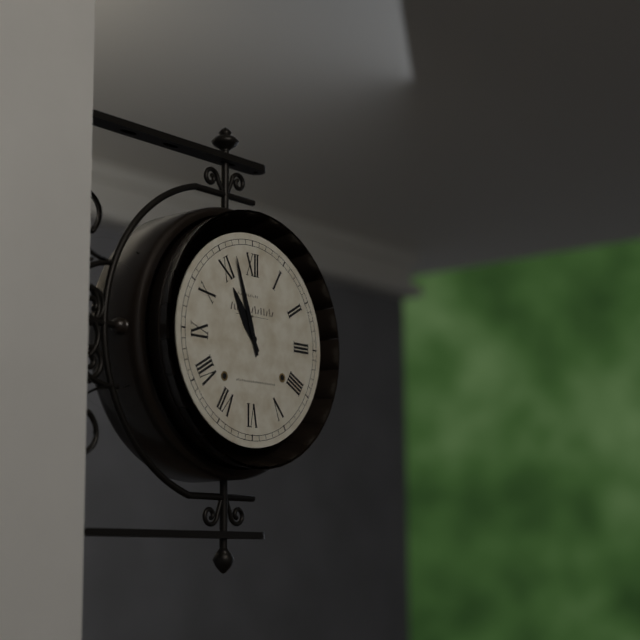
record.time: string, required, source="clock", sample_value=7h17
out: 10h57
